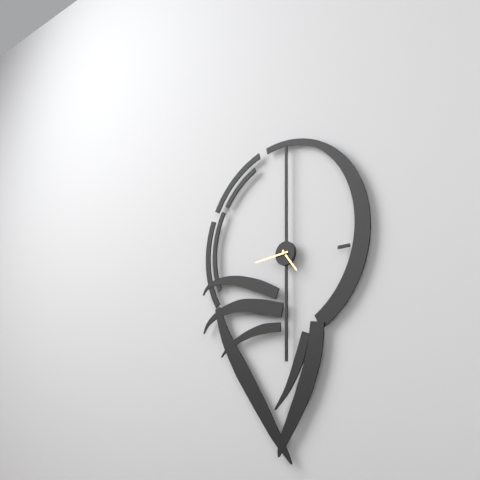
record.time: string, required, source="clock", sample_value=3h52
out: 4h44
